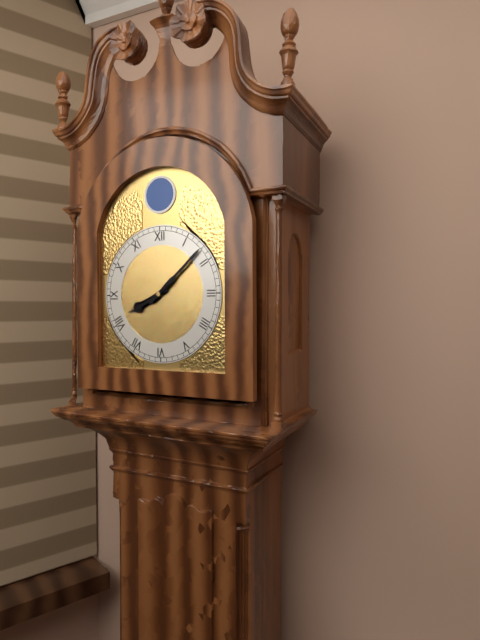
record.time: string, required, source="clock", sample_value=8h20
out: 8h08
